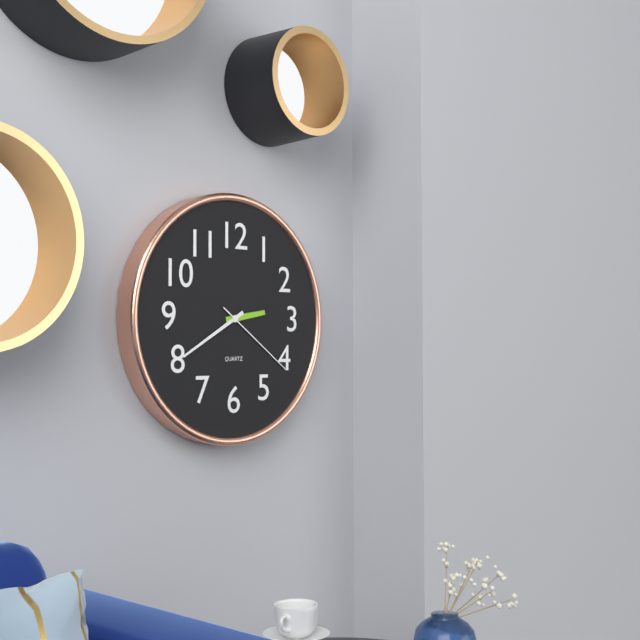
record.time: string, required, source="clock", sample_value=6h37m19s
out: 2h40m21s
